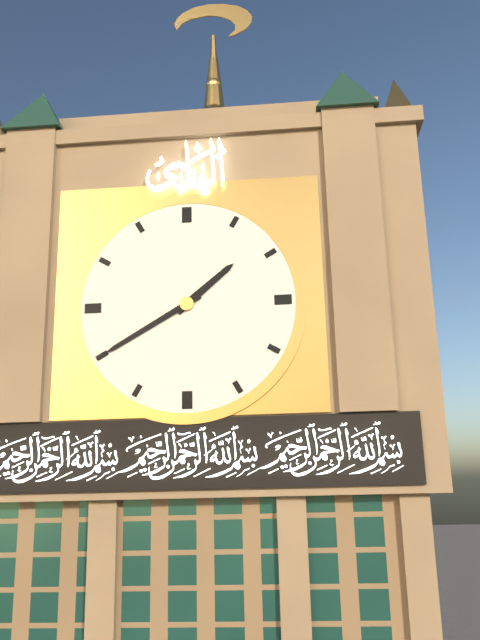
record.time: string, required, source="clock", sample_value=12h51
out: 1h40
